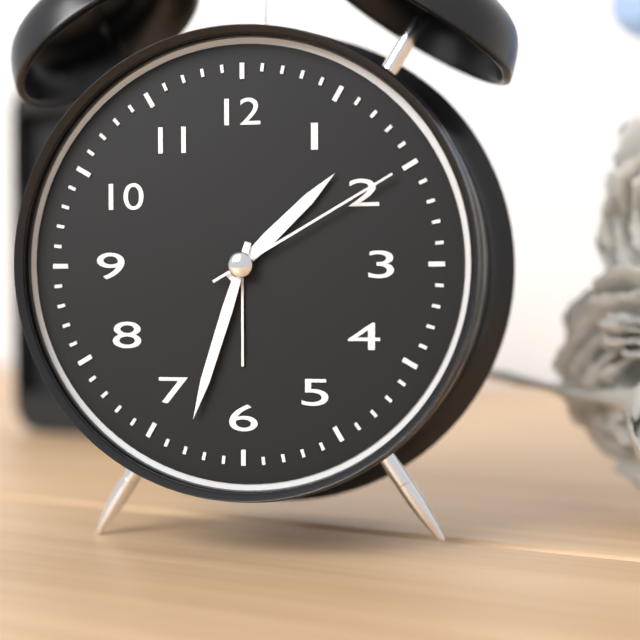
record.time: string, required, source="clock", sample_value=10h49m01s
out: 1h33m10s
